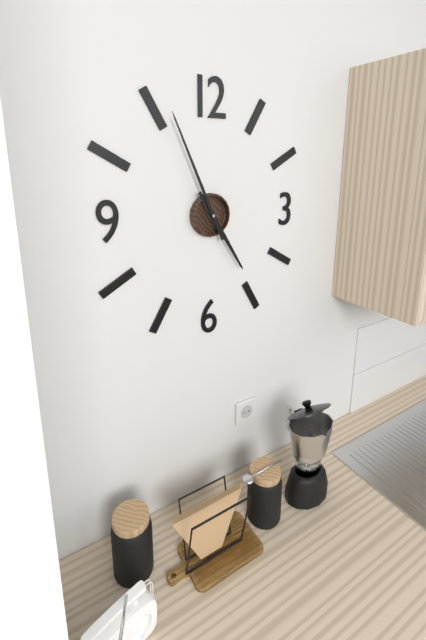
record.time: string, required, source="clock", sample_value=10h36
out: 4h56
